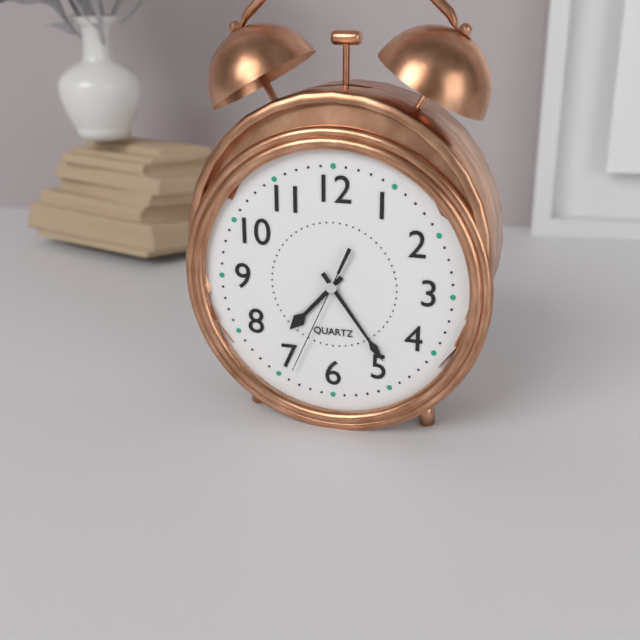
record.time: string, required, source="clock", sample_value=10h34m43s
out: 7h24m34s
